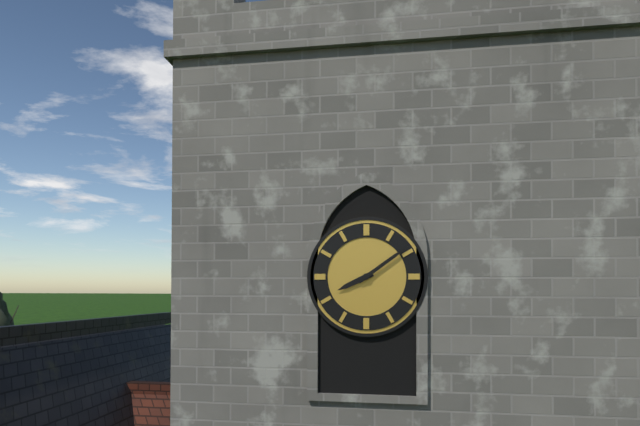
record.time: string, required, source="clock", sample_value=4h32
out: 8h09
